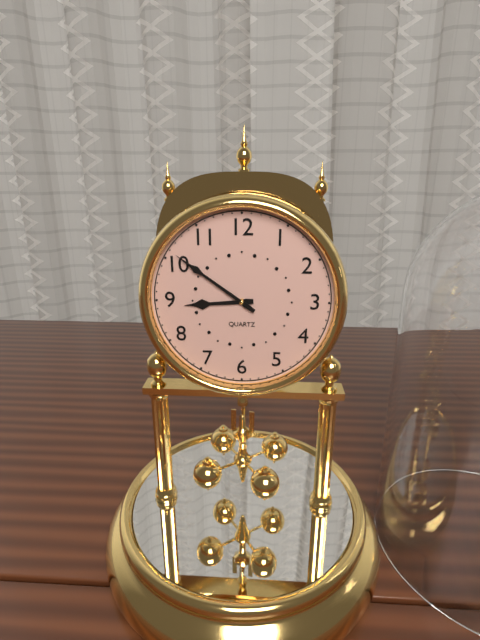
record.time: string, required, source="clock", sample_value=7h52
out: 8h51
